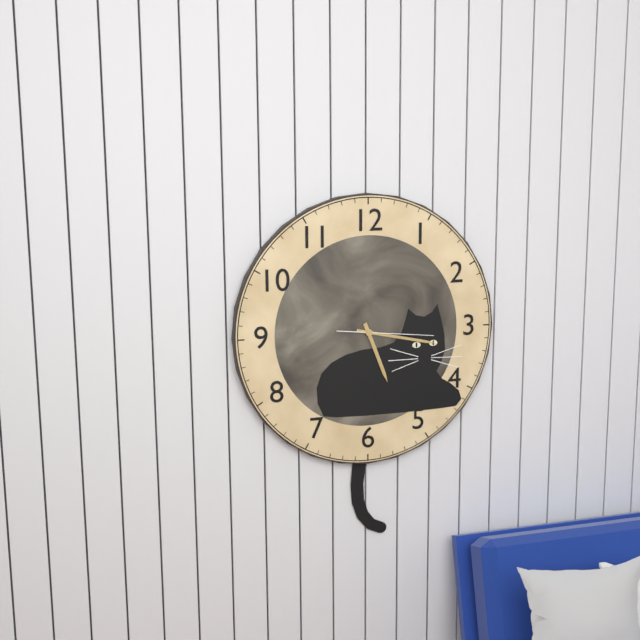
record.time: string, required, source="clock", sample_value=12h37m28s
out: 5h17m16s
